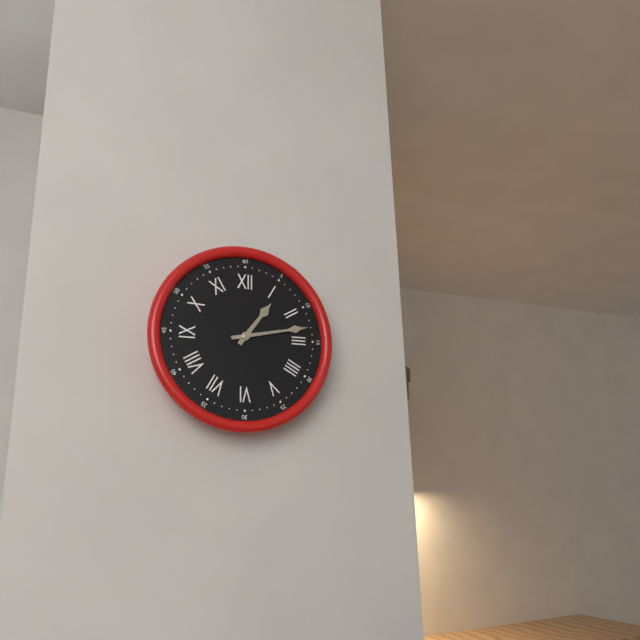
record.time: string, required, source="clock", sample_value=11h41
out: 1h13
